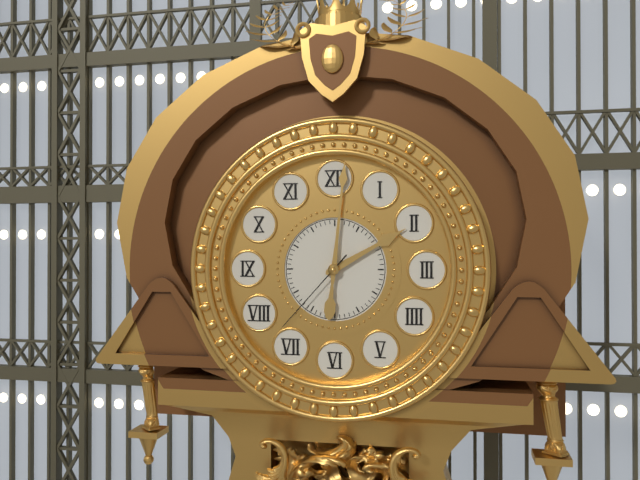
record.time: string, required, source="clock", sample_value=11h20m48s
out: 2h01m37s
